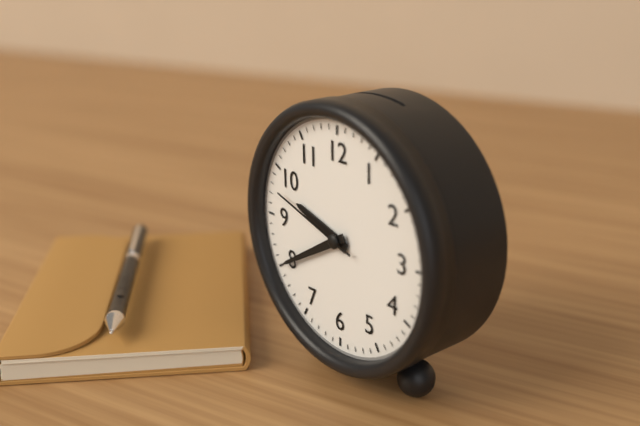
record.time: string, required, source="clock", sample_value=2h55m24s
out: 9h40m48s
